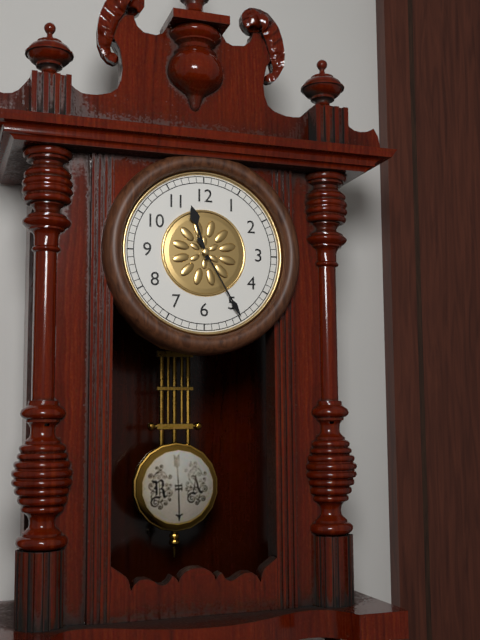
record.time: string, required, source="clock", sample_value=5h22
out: 11h25
